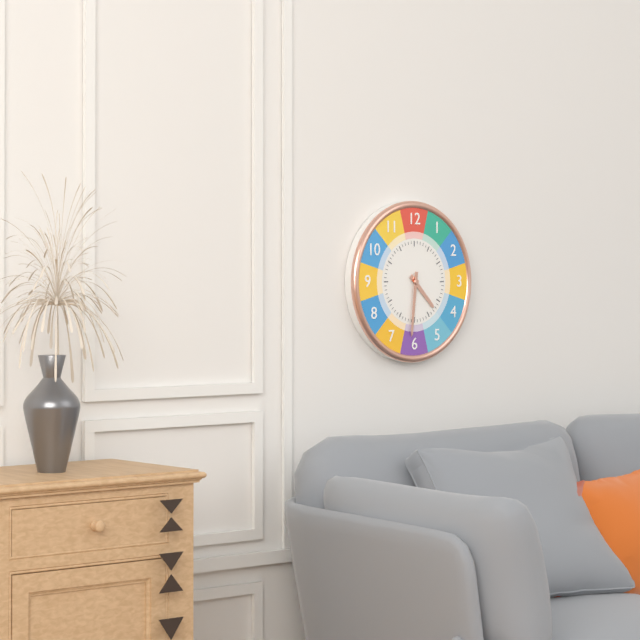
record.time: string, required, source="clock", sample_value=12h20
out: 4h31
